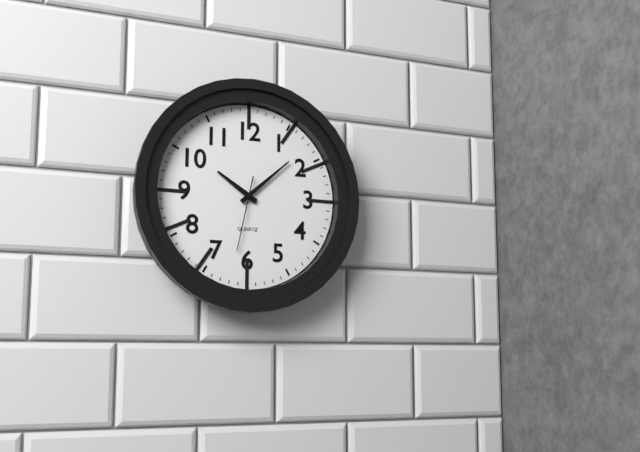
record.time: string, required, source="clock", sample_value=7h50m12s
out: 10h08m32s
